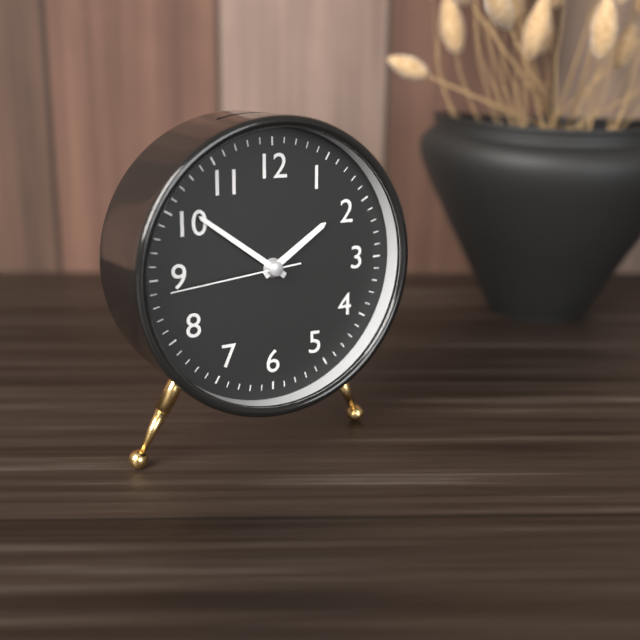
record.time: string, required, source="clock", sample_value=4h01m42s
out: 1h51m44s
